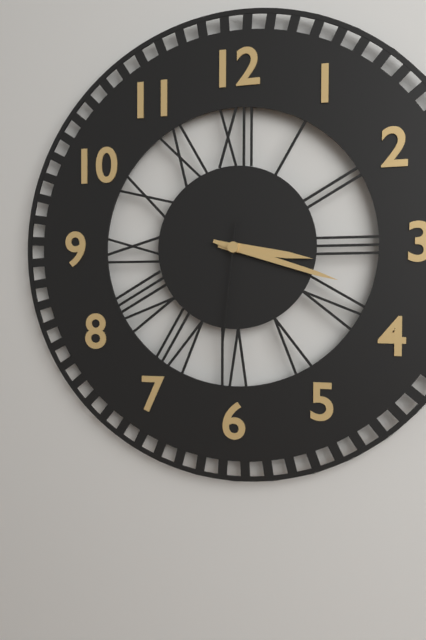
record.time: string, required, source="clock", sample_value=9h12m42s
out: 3h18m31s
